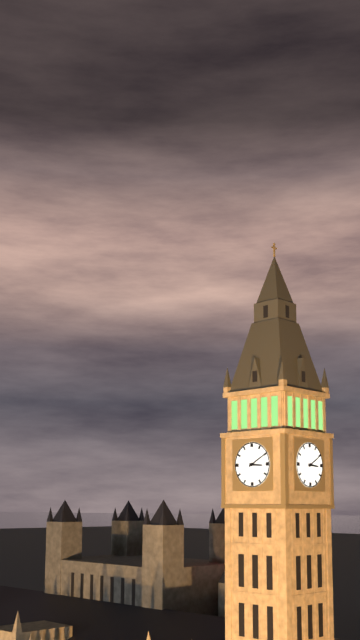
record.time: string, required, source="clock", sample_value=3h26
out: 3h10
